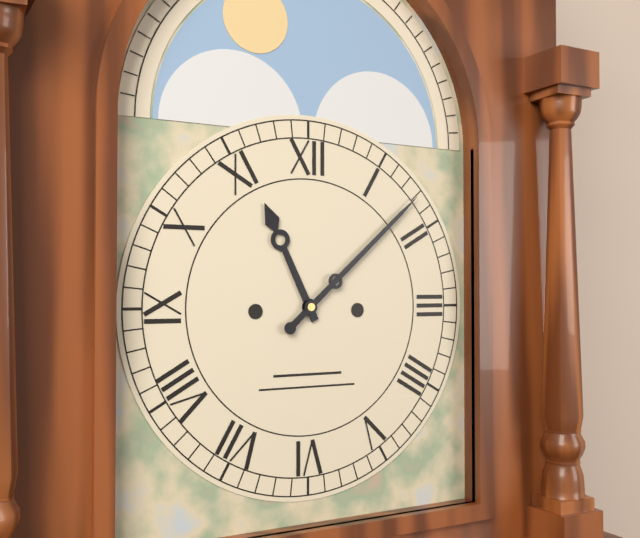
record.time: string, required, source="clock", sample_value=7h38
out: 11h08
